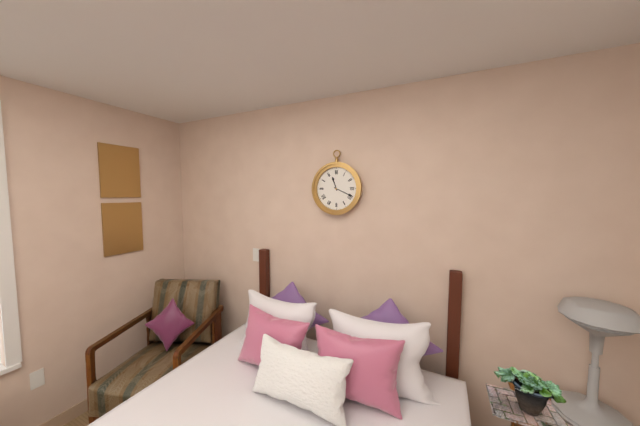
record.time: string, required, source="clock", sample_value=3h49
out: 11h19
